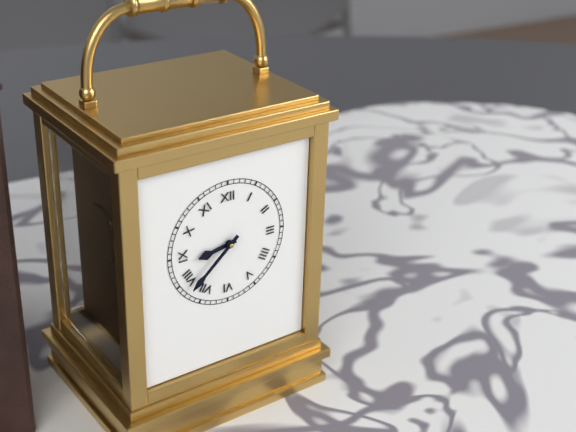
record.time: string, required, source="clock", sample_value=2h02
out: 8h38
